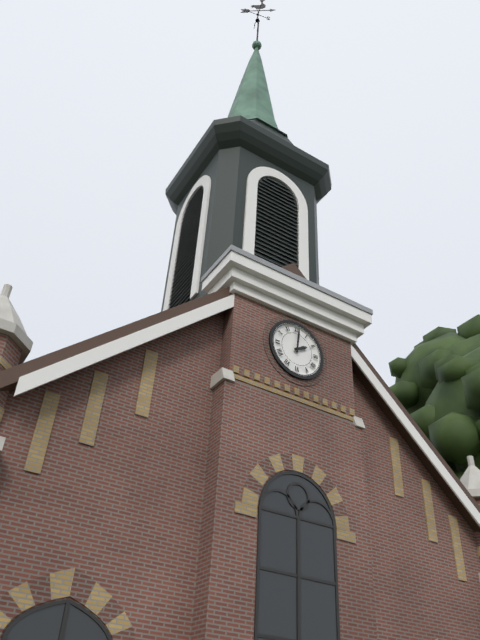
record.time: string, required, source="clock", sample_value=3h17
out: 2h01
